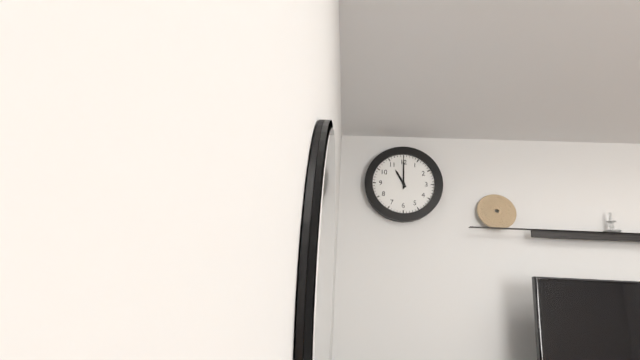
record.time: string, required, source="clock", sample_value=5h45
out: 11h00
